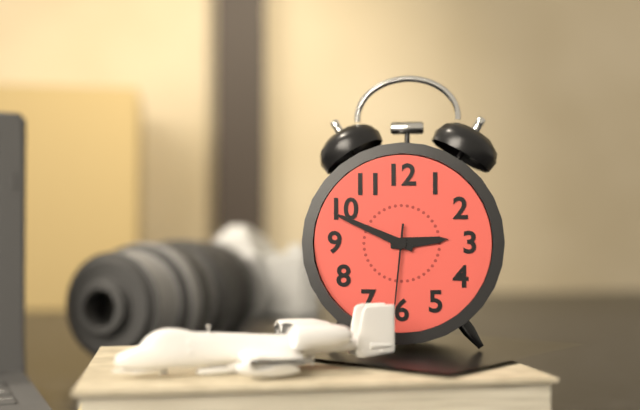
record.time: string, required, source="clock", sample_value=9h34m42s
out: 2h49m31s
